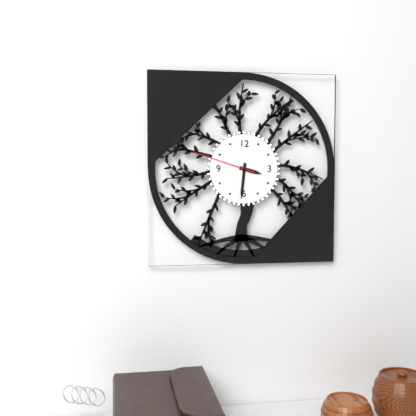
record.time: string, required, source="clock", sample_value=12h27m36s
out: 3h31m48s
